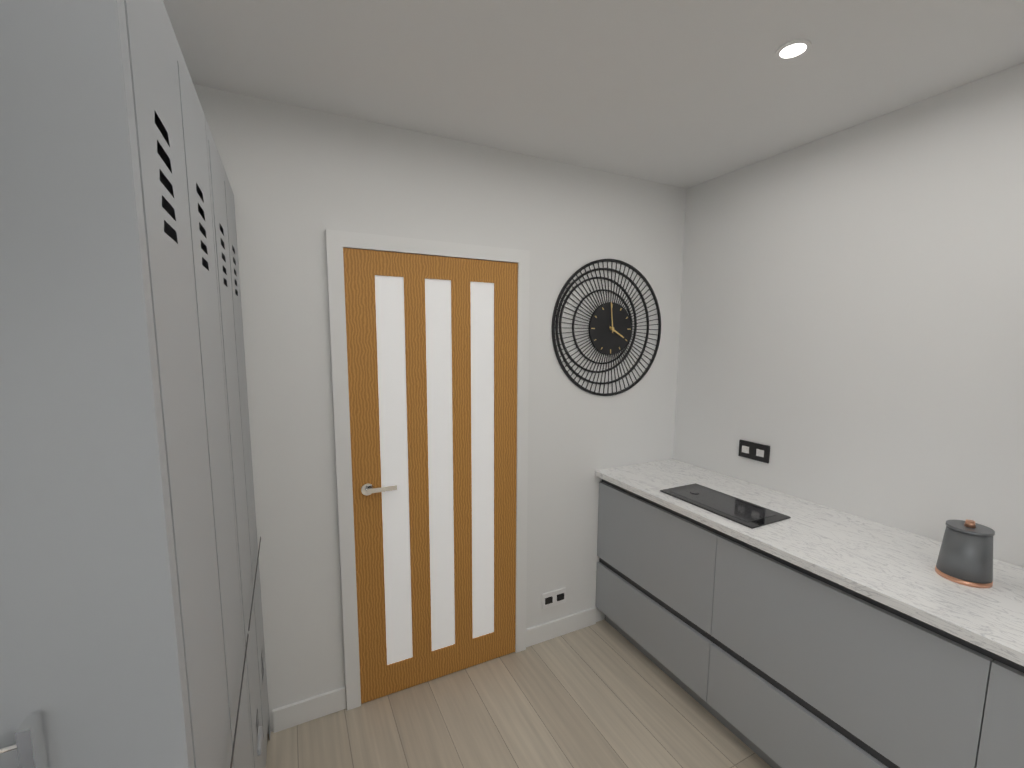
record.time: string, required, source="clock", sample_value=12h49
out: 3h59
